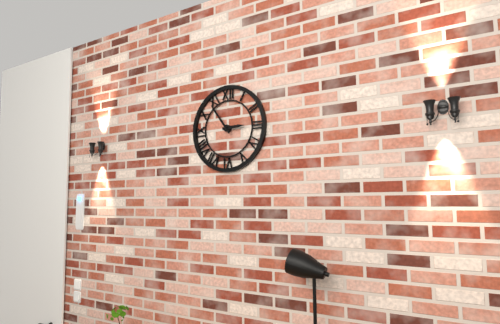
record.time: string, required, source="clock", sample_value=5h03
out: 2h54
